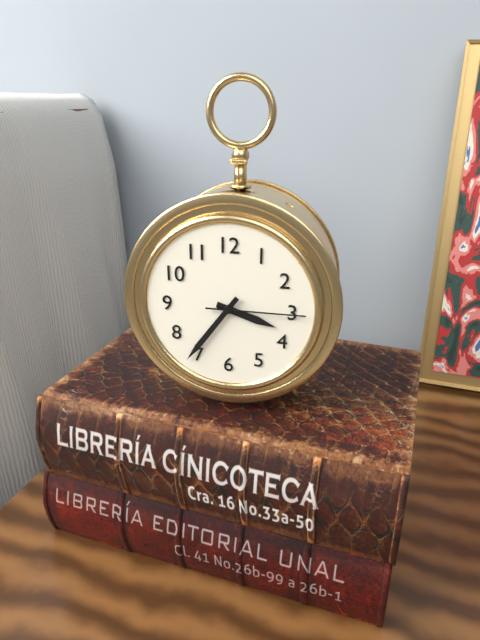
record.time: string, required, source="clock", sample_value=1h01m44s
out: 3h36m15s
